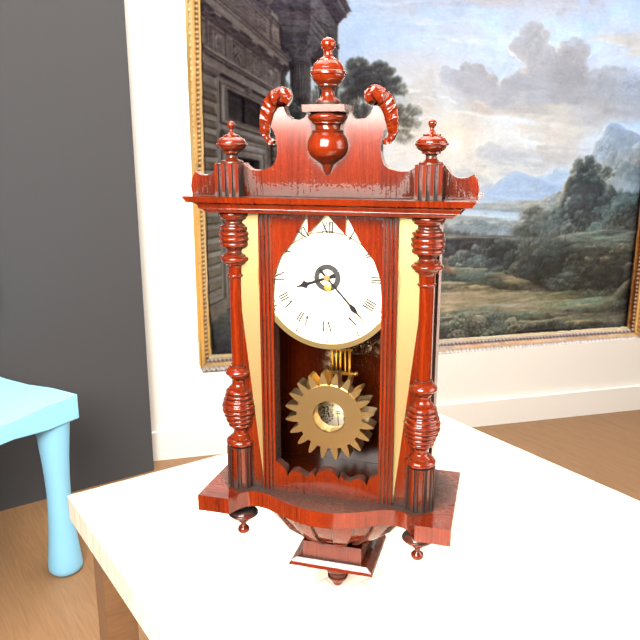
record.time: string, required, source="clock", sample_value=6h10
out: 8h23
